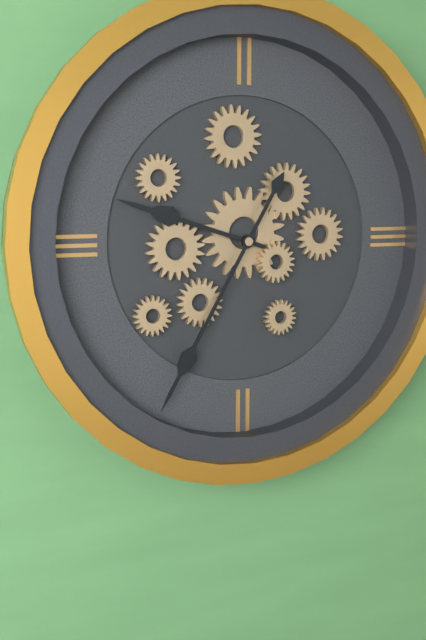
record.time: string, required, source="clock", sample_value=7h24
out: 9h35
